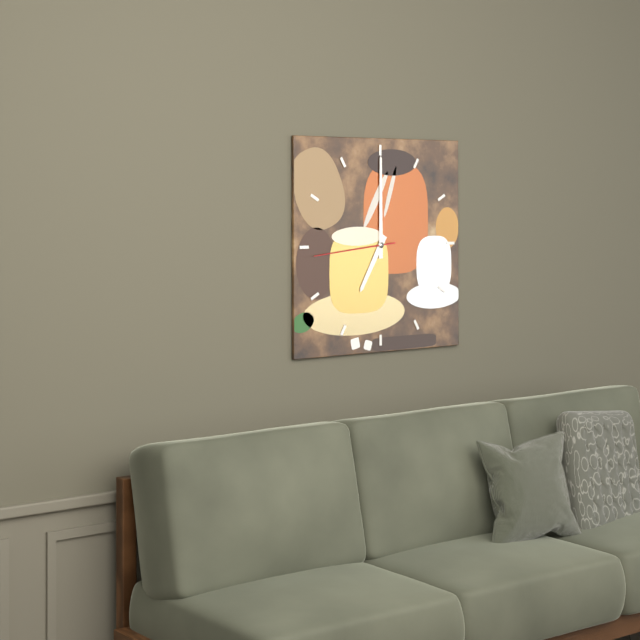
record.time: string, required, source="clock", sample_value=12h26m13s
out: 7h00m44s
